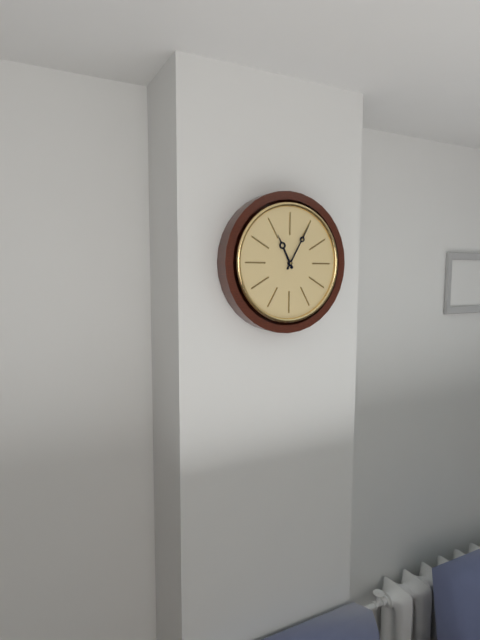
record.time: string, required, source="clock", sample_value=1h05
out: 11h05
